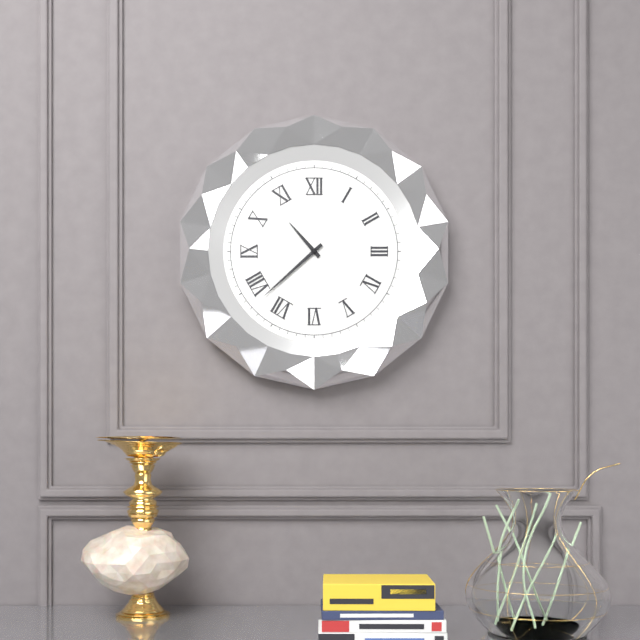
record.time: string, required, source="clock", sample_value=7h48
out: 10h38
